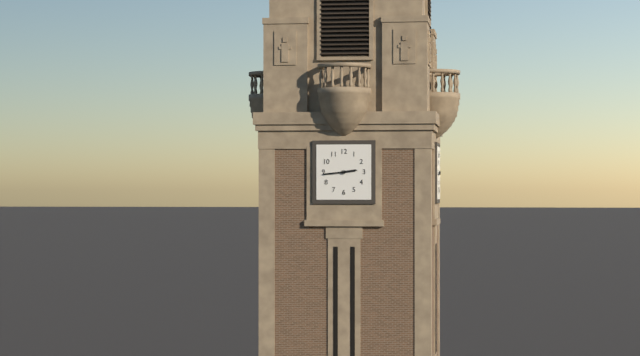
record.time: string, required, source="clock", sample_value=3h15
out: 2h44
